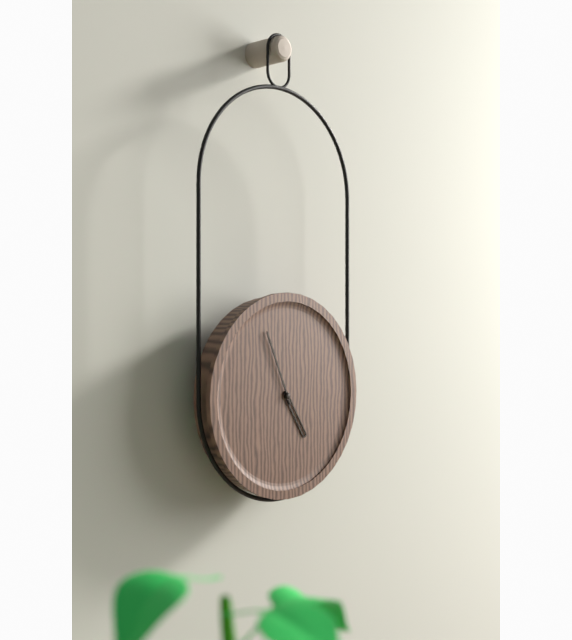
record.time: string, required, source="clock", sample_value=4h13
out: 4h56
